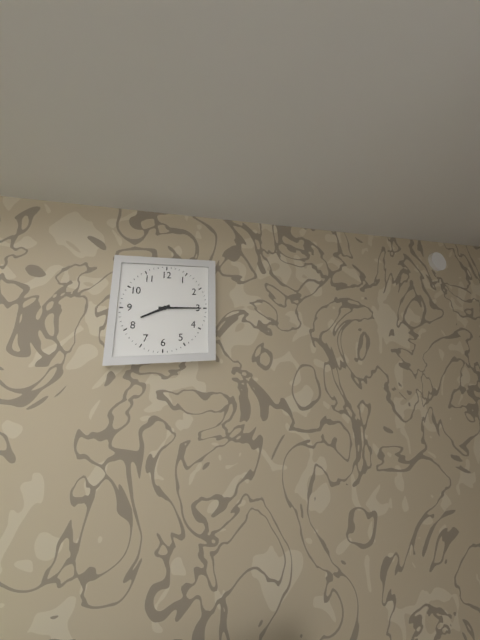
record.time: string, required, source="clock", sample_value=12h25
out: 8h15
